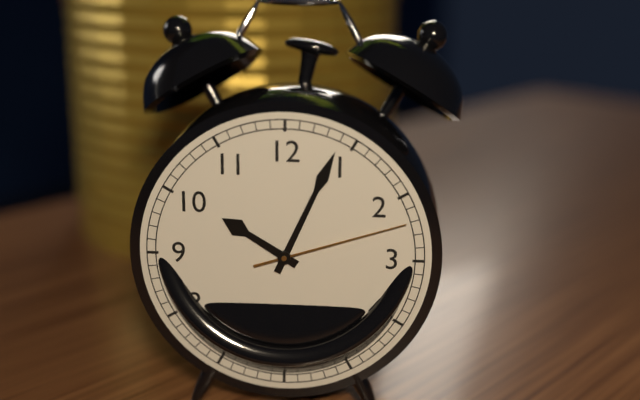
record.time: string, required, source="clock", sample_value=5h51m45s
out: 10h04m12s
